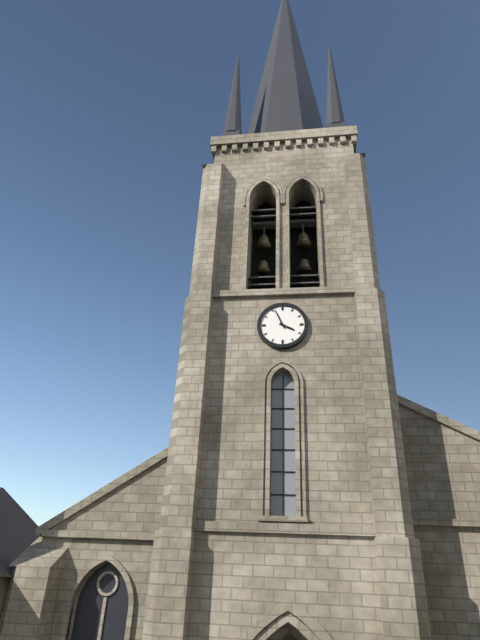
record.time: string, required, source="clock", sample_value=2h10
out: 3h56
